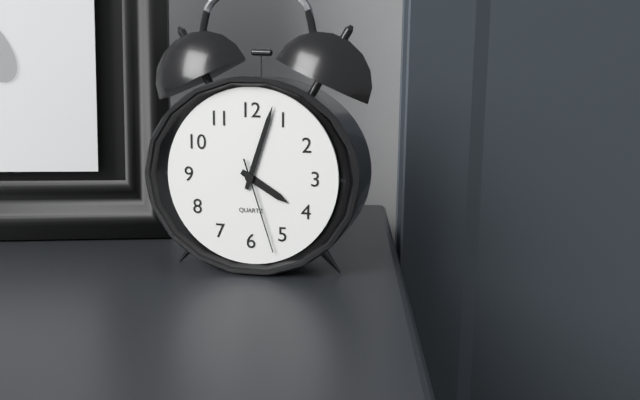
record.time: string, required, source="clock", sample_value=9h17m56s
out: 4h03m27s
